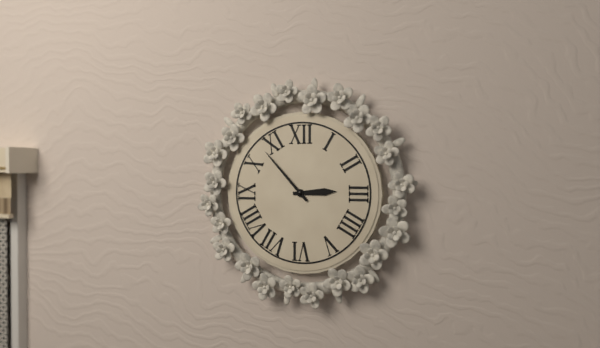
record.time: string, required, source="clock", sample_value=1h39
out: 2h53
